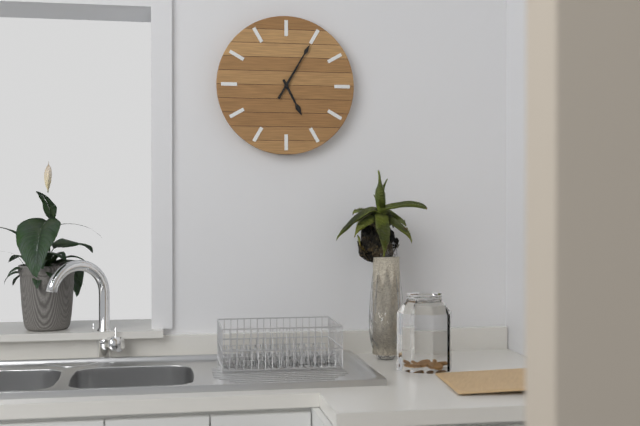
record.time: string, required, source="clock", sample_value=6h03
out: 5h05
